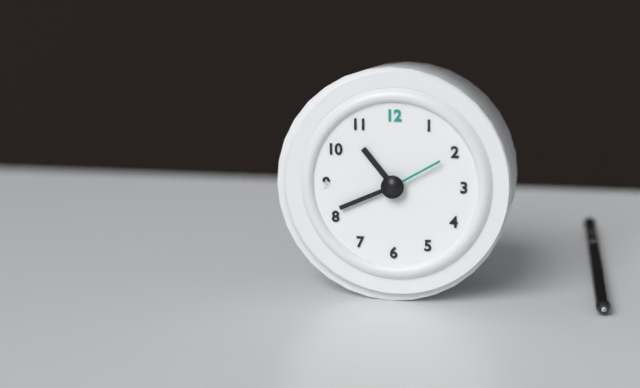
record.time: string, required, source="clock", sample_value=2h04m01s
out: 10h41m10s
